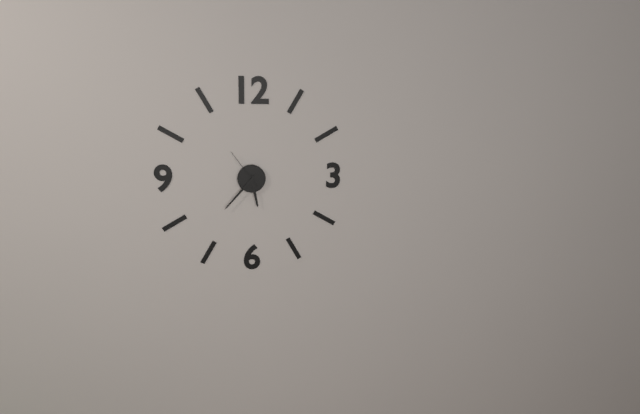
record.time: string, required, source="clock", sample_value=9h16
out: 5h37
